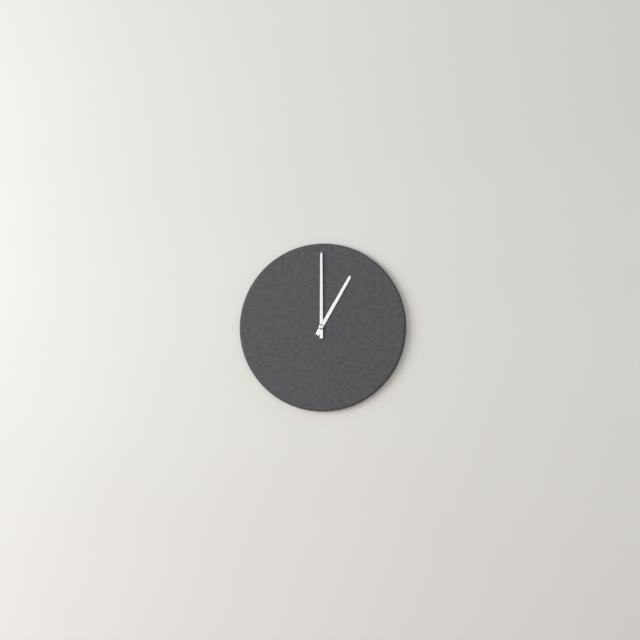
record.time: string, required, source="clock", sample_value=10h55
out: 1h00
